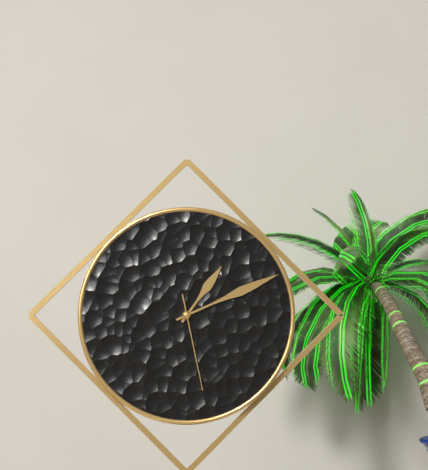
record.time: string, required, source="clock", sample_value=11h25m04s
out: 1h11m28s
